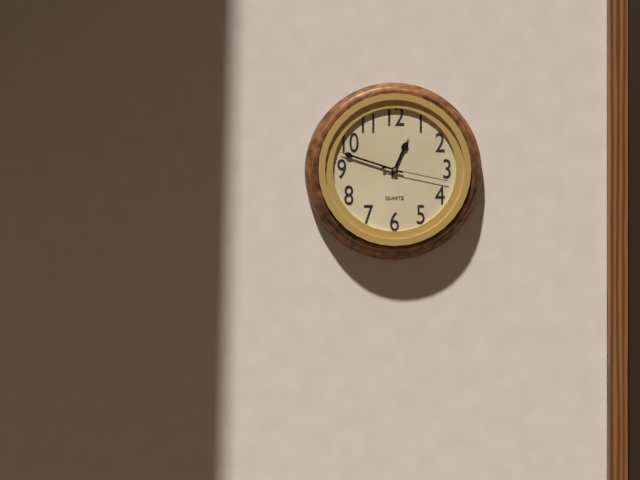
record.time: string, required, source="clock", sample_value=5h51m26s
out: 12h48m17s
